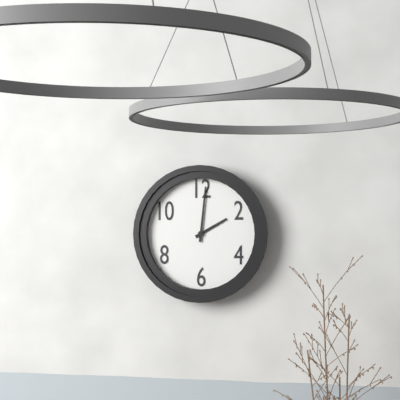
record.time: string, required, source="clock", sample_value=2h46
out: 2h01
